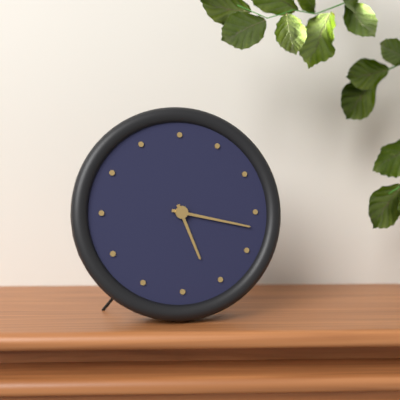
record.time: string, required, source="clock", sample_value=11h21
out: 5h17
